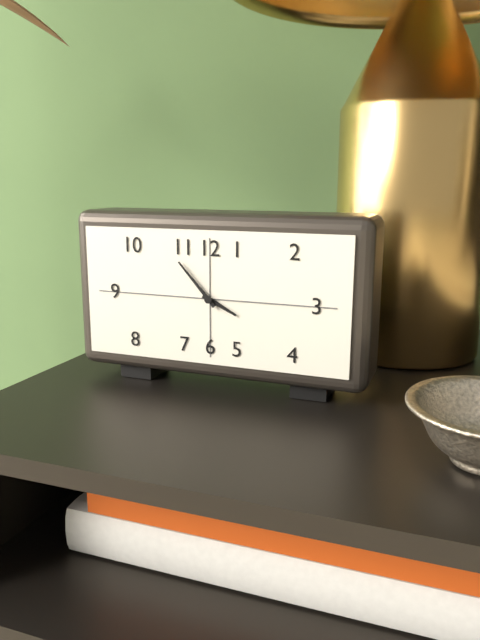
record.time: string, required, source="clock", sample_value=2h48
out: 3h53
